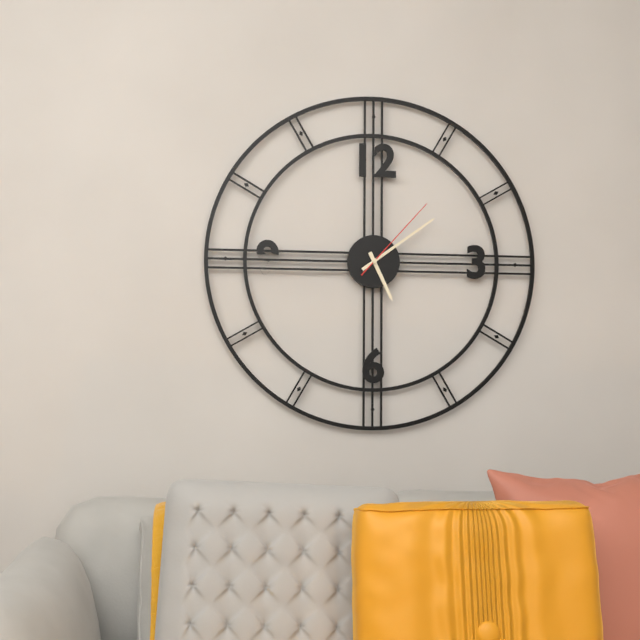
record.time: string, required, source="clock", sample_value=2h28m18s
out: 5h09m07s
